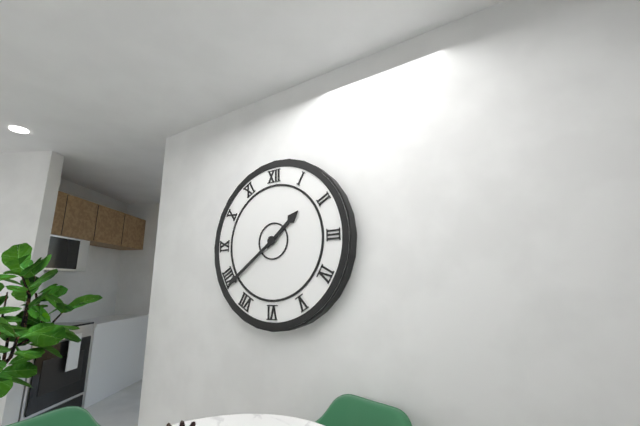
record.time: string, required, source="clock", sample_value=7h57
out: 1h39
